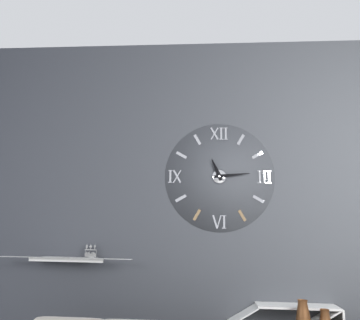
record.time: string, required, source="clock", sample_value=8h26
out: 11h14
